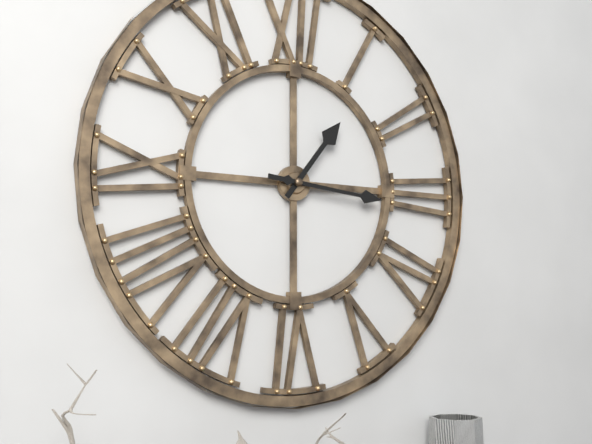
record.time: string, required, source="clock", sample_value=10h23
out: 1h16
